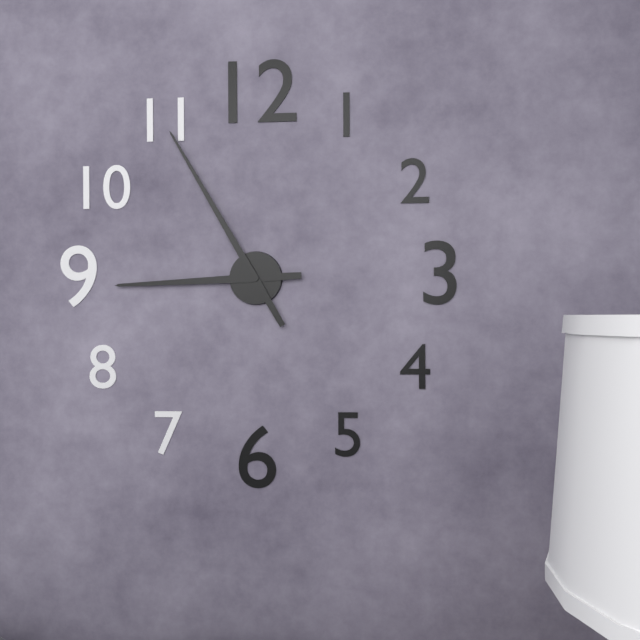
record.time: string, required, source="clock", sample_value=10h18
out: 8h55
